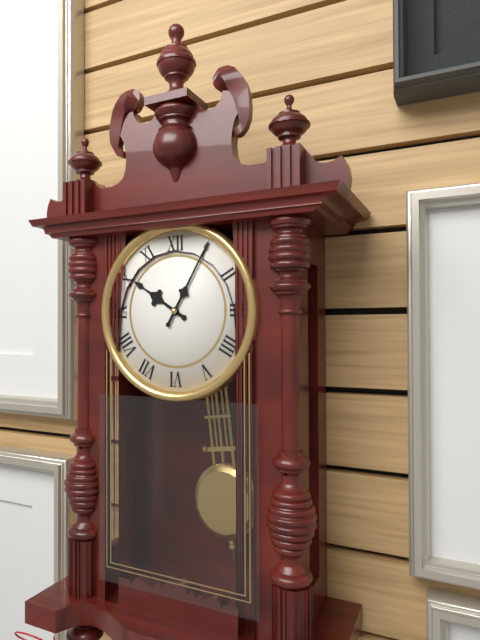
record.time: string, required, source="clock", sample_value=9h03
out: 10h05
